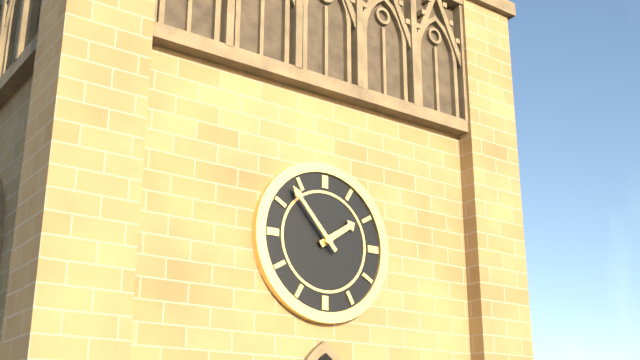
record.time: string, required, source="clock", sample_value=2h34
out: 1h53
